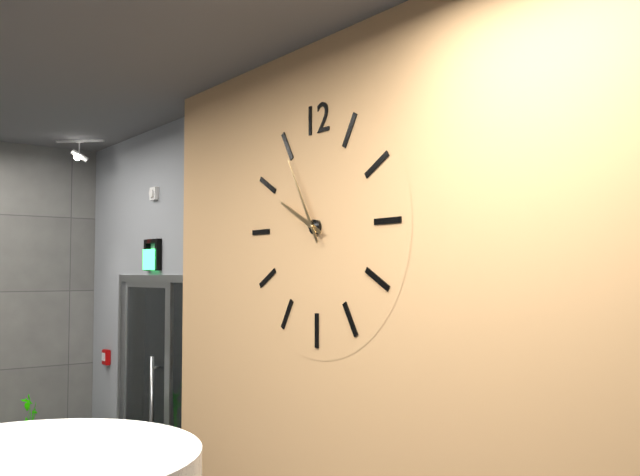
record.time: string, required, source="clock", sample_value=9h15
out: 9h55
